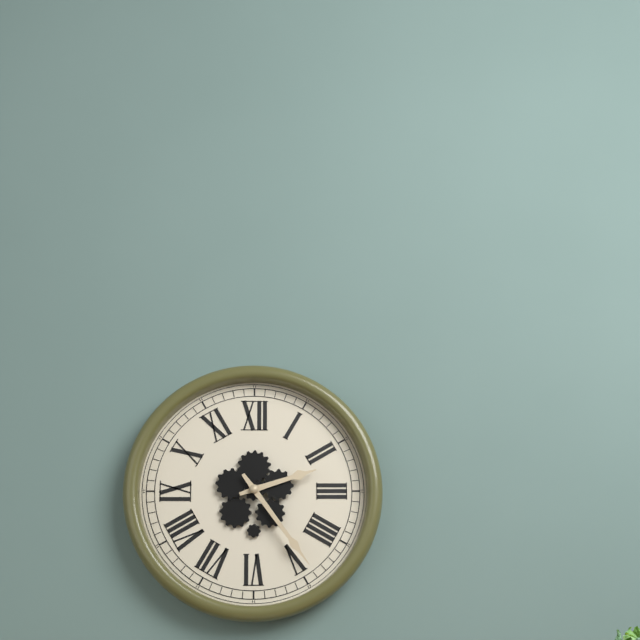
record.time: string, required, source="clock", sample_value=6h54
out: 2h24
